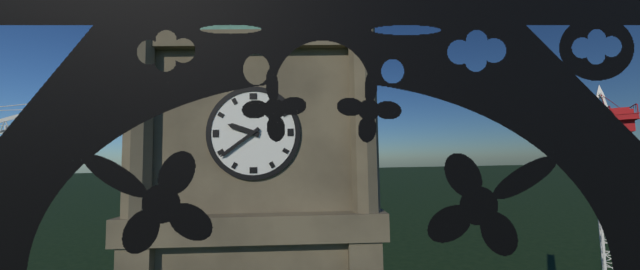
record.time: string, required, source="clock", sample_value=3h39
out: 9h39
